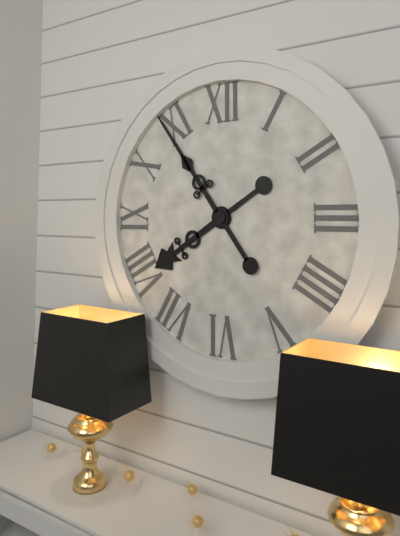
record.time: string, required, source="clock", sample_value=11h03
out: 7h54
